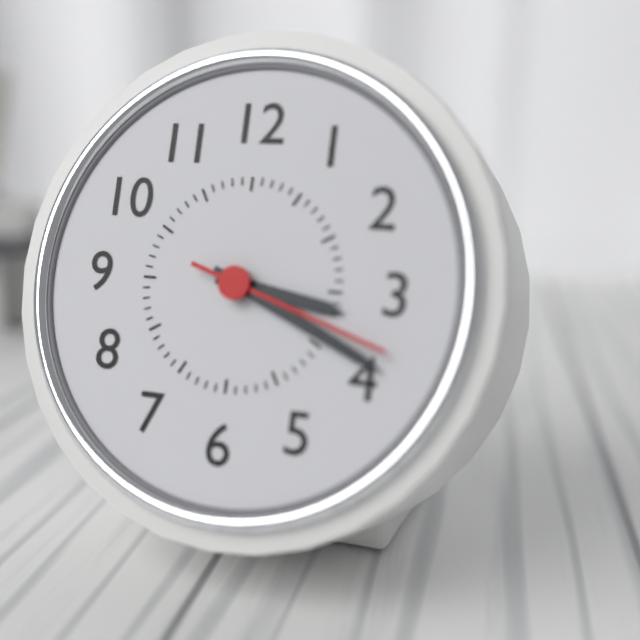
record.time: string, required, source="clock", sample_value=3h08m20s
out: 3h19m18s
